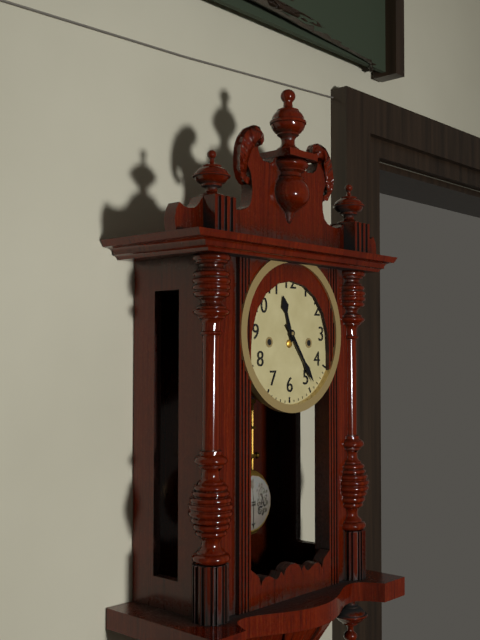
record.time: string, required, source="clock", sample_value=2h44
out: 11h24
